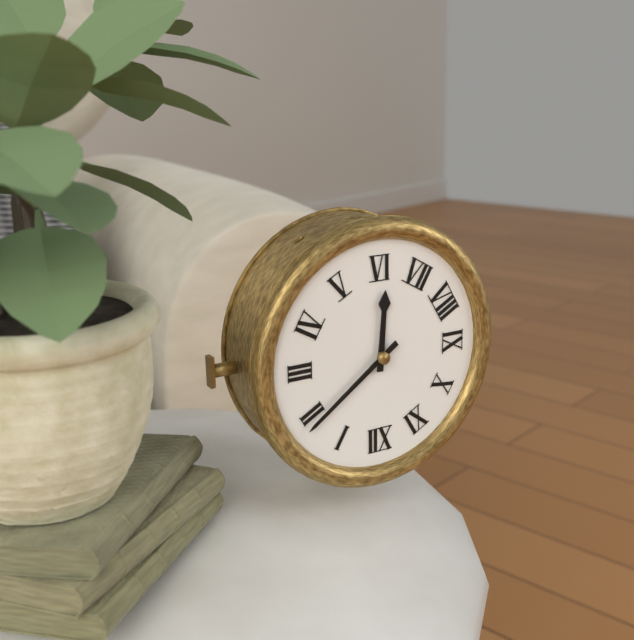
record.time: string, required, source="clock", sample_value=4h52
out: 6h09
